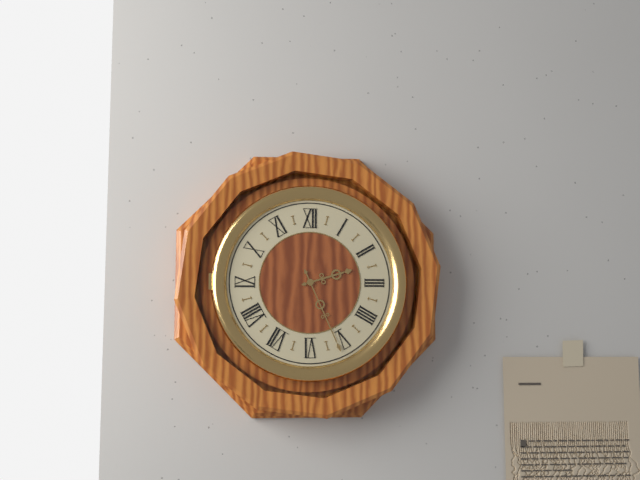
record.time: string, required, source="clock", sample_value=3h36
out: 2h26
